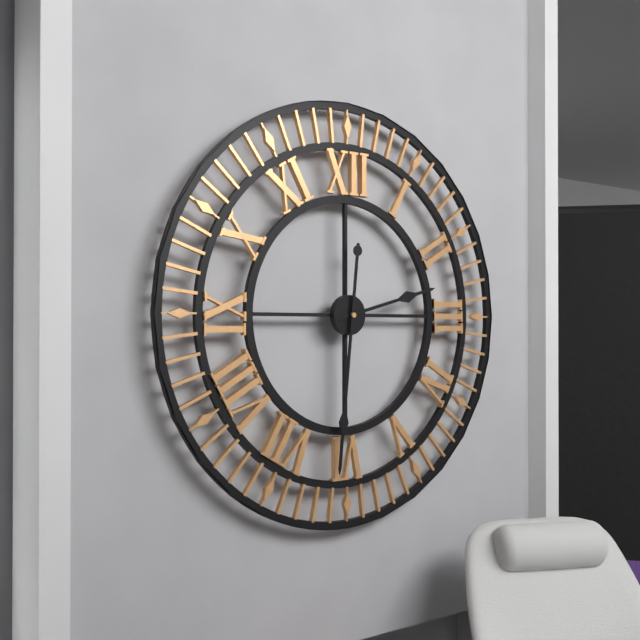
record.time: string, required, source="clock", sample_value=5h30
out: 2h31
